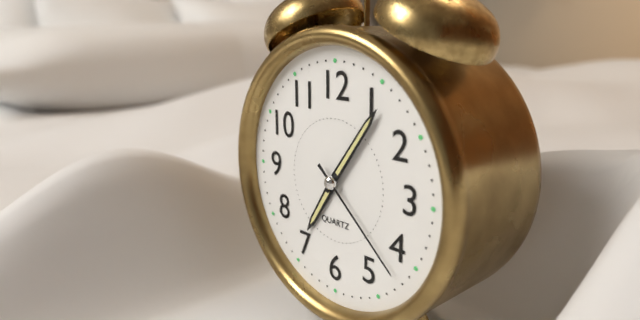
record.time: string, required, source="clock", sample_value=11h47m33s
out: 7h06m22s
